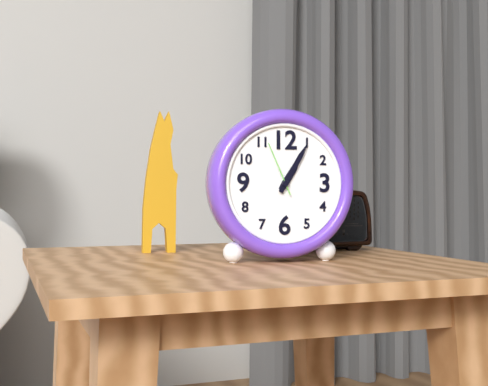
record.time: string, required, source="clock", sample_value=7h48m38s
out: 1h05m56s
